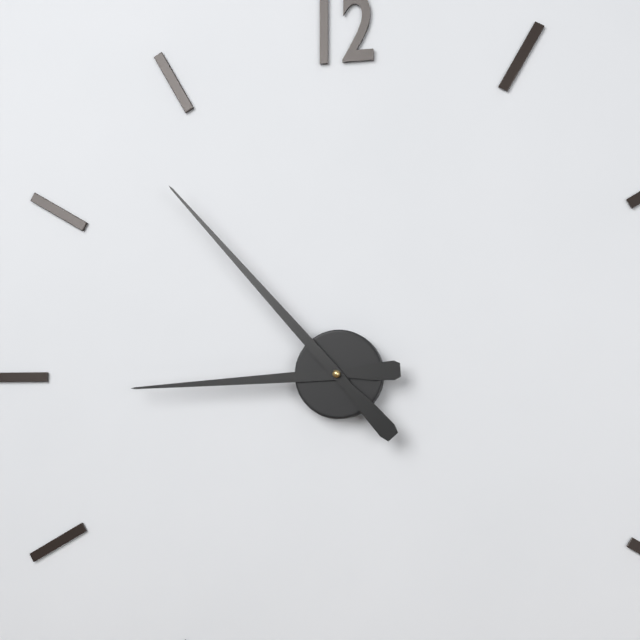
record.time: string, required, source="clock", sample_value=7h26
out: 8h53
